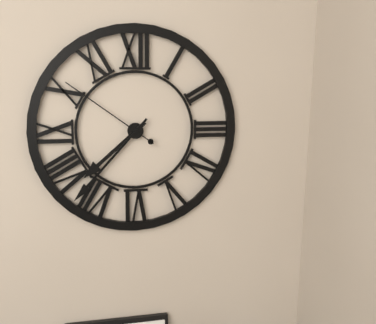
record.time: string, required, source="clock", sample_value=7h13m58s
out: 7h37m51s
